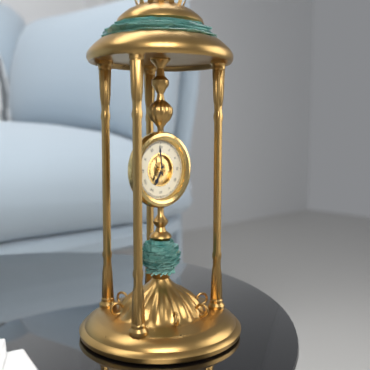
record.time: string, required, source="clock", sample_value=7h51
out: 6h59
